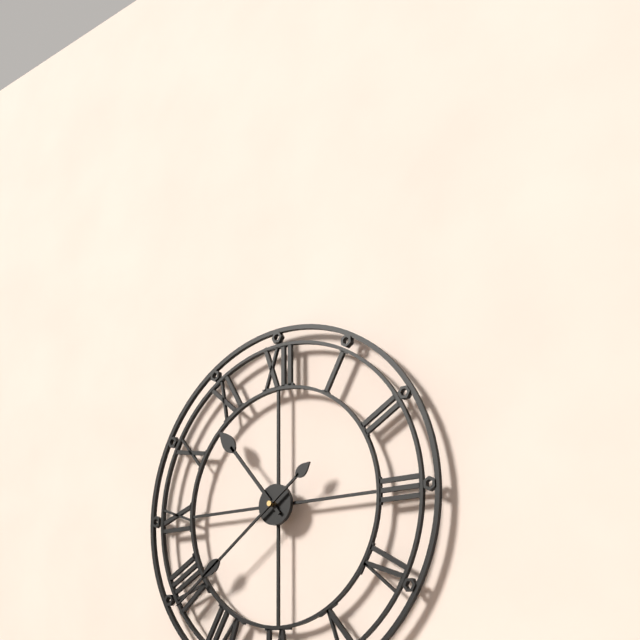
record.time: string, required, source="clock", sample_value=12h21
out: 10h39
